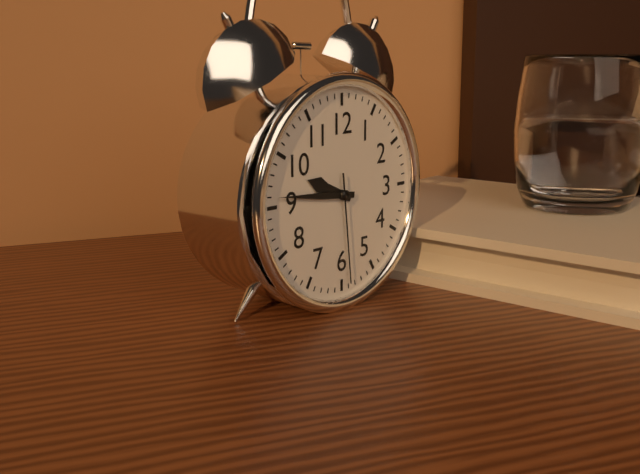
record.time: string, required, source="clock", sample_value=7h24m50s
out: 9h46m29s
